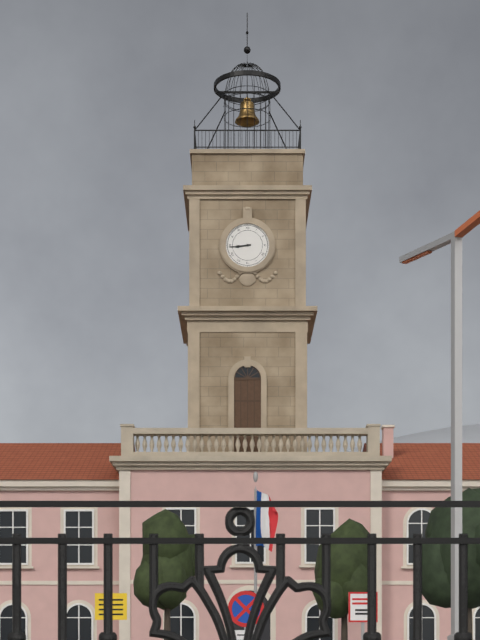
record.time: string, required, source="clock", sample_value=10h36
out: 8h44
